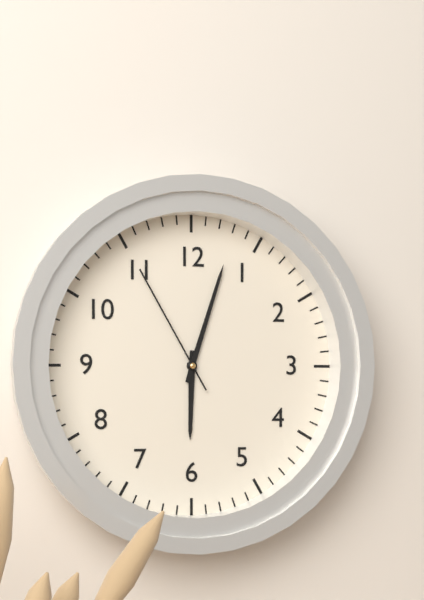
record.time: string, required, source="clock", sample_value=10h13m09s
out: 6h03m55s
